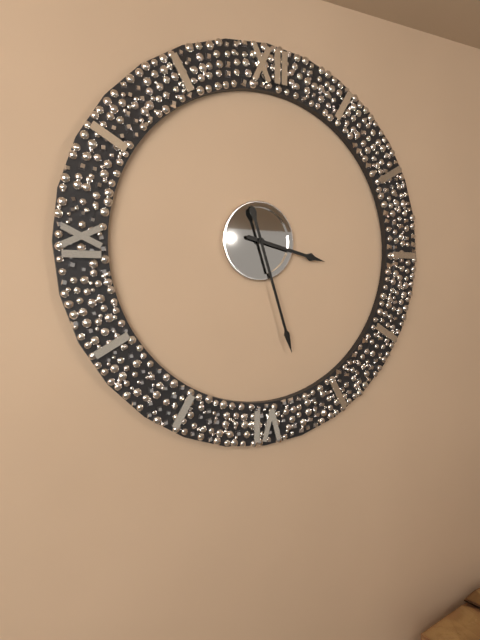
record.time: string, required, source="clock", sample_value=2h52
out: 3h27
